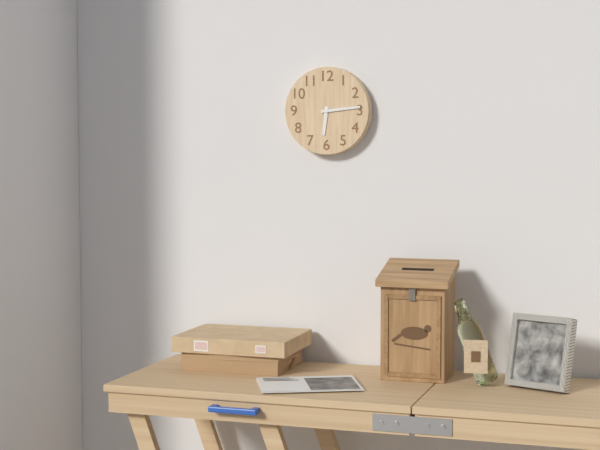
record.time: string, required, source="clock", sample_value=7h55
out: 6h14
